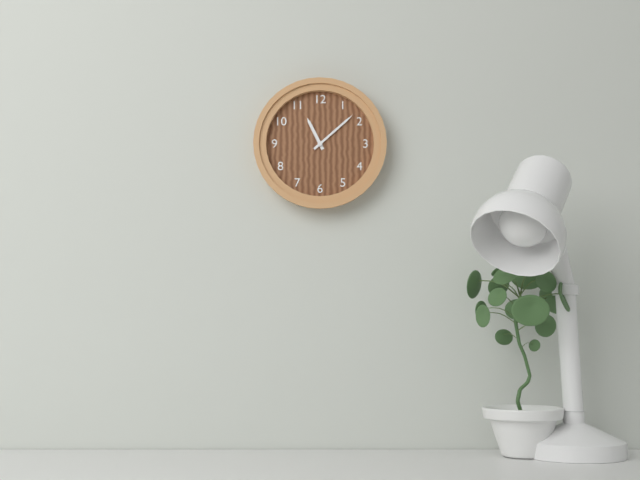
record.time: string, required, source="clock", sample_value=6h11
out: 11h08
